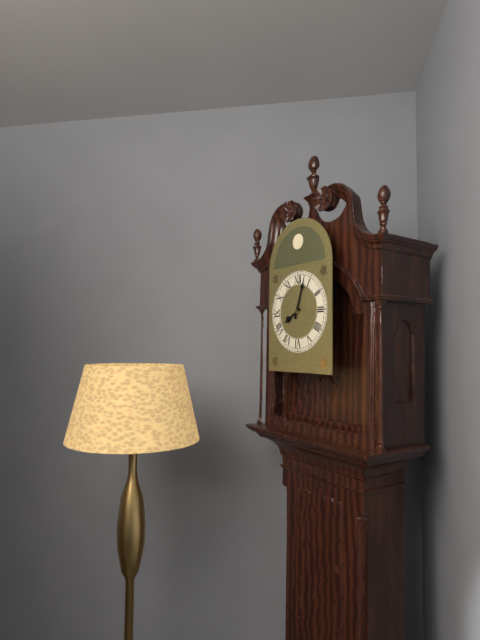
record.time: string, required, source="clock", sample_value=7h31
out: 8h03
